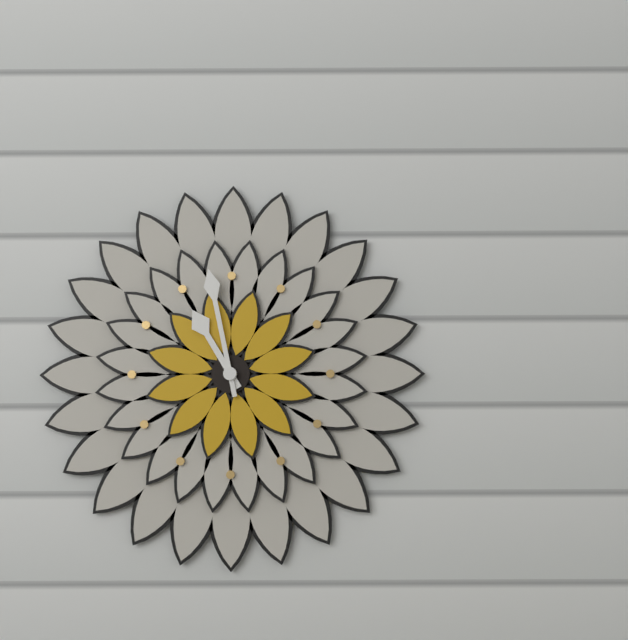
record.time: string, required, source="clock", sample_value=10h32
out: 10h58
